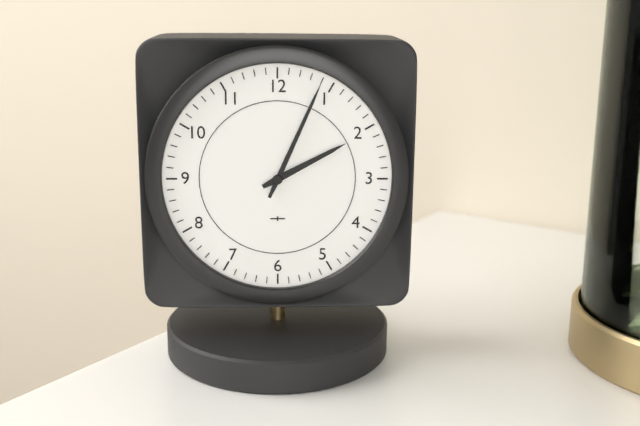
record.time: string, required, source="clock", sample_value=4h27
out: 2h04
